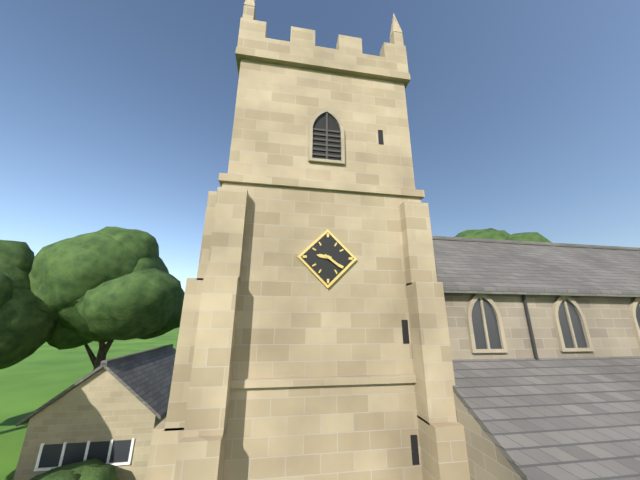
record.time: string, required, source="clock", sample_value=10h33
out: 9h21
